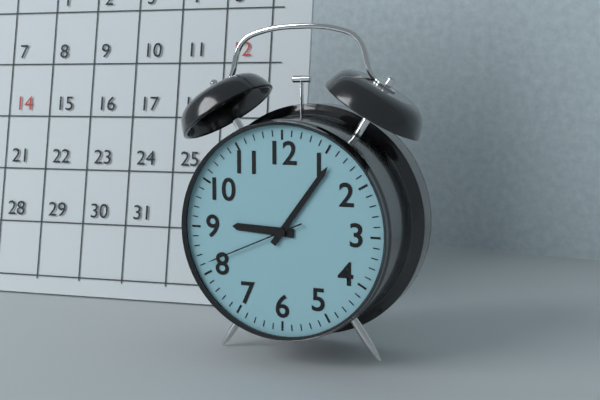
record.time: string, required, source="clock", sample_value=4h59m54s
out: 9h06m41s
